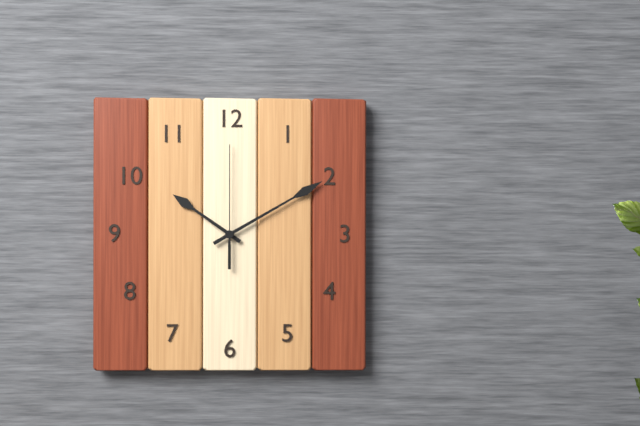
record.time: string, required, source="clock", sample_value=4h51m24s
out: 10h10m00s
